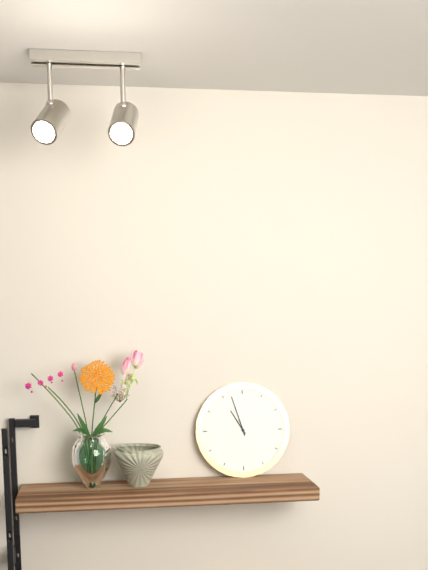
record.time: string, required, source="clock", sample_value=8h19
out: 10h57
